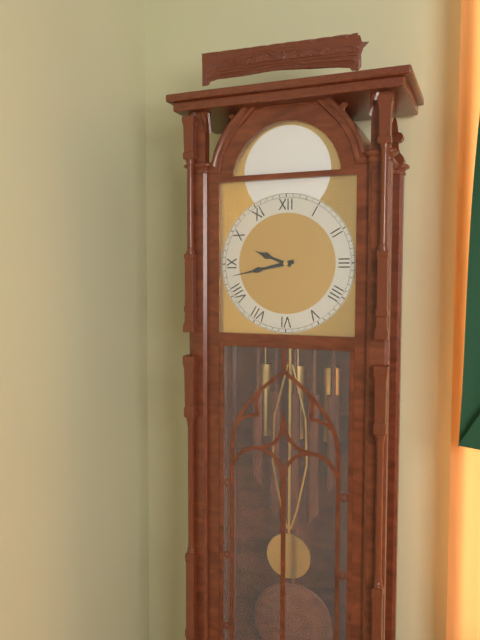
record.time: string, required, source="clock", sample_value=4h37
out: 9h43
